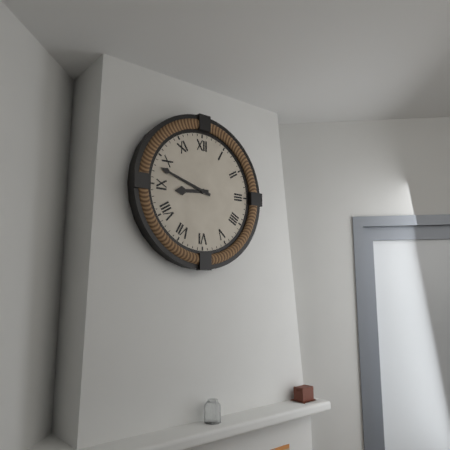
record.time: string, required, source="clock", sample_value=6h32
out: 8h48
